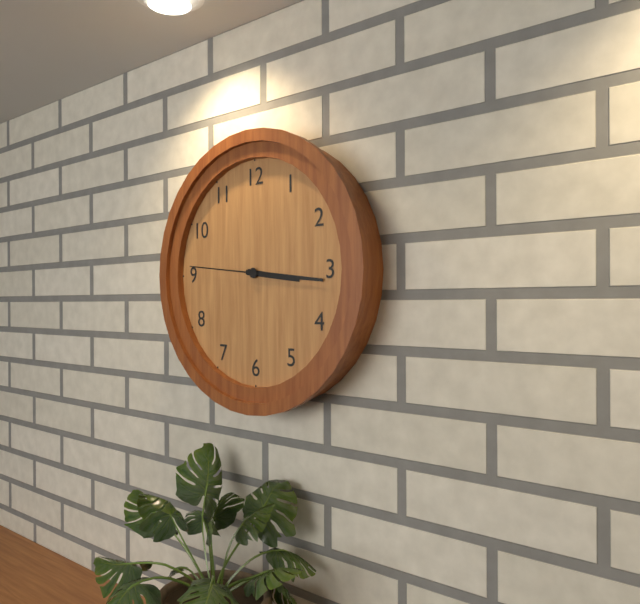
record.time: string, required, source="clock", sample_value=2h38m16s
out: 3h16m46s
